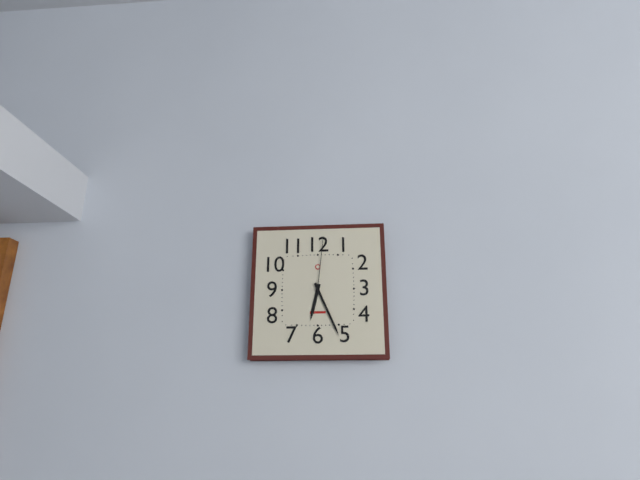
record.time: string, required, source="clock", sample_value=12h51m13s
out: 6h26m01s
